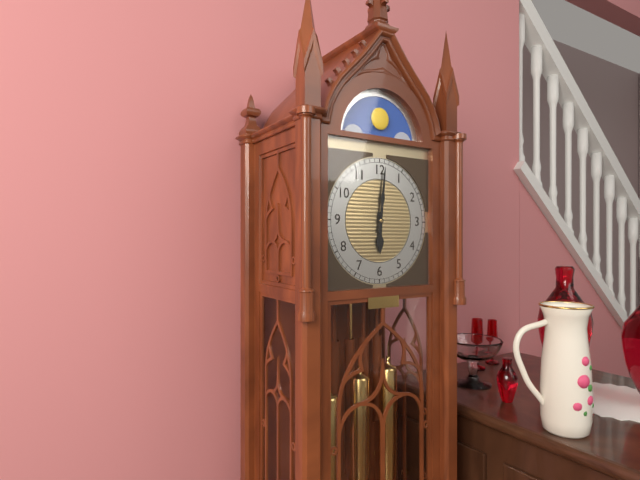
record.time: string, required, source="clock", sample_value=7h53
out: 6h01
